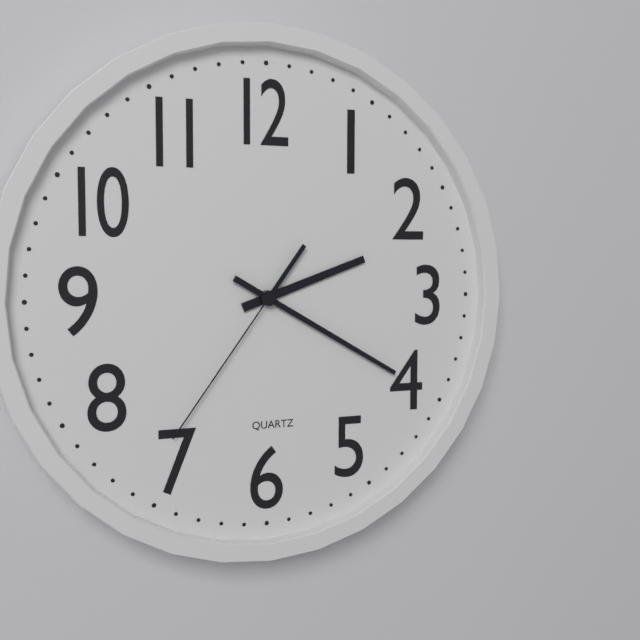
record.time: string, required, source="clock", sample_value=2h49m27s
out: 2h20m36s
